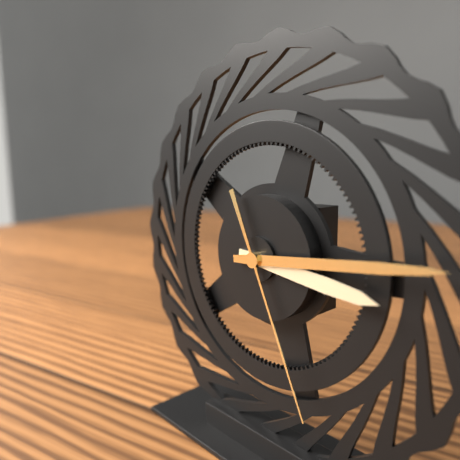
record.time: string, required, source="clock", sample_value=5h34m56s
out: 3h14m26s
